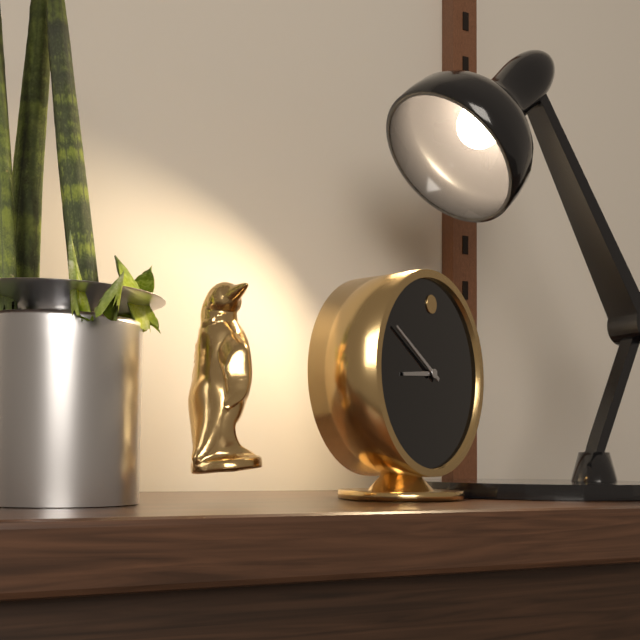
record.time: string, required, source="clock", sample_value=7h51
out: 8h50
